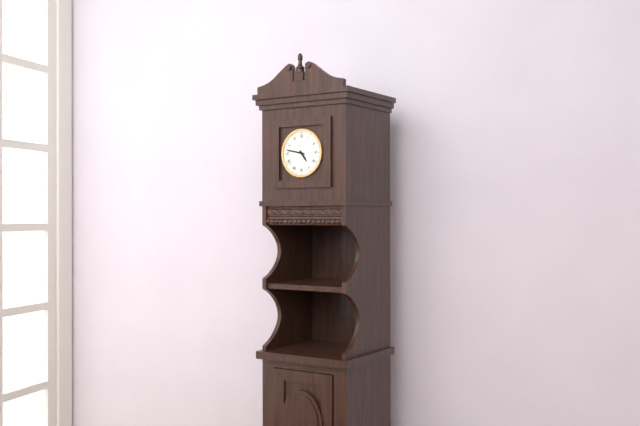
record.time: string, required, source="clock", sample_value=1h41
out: 4h47
